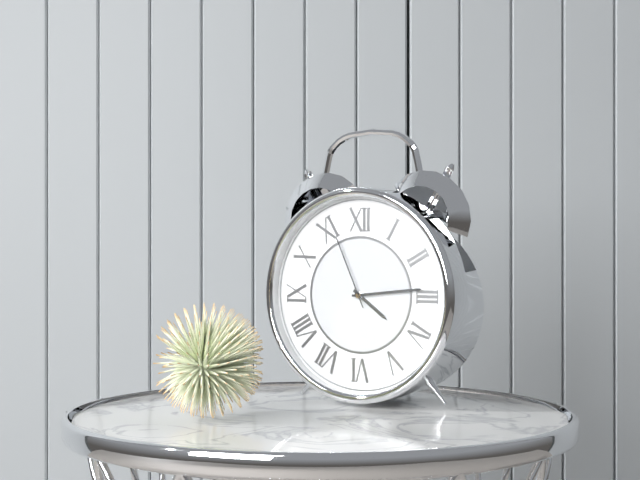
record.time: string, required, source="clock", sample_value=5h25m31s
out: 4h14m56s
